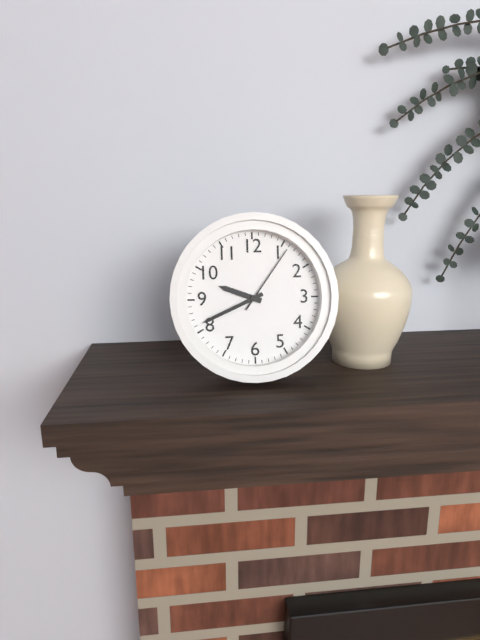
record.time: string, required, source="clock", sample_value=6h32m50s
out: 9h41m06s
